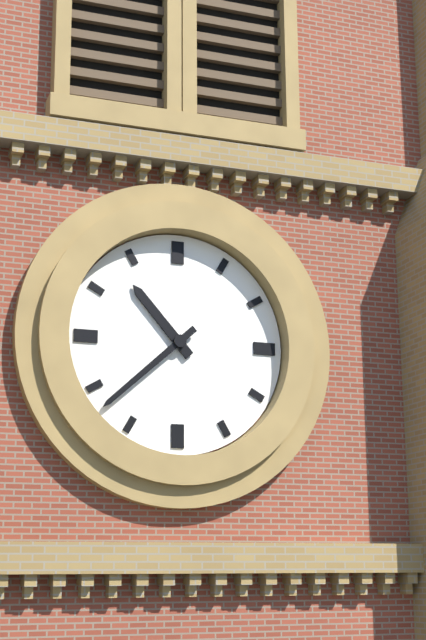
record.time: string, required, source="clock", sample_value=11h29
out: 10h38
